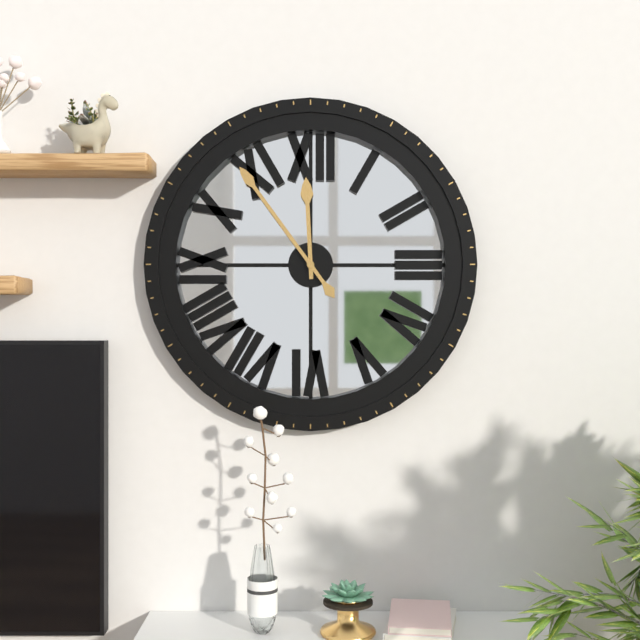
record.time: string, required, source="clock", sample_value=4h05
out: 11h54
